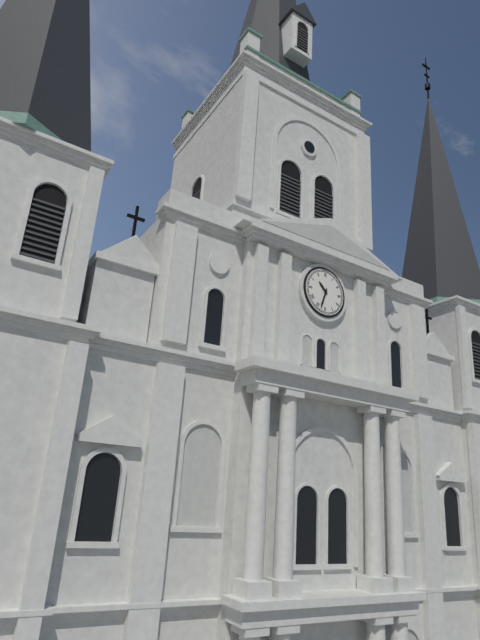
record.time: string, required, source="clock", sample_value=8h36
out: 10h33
